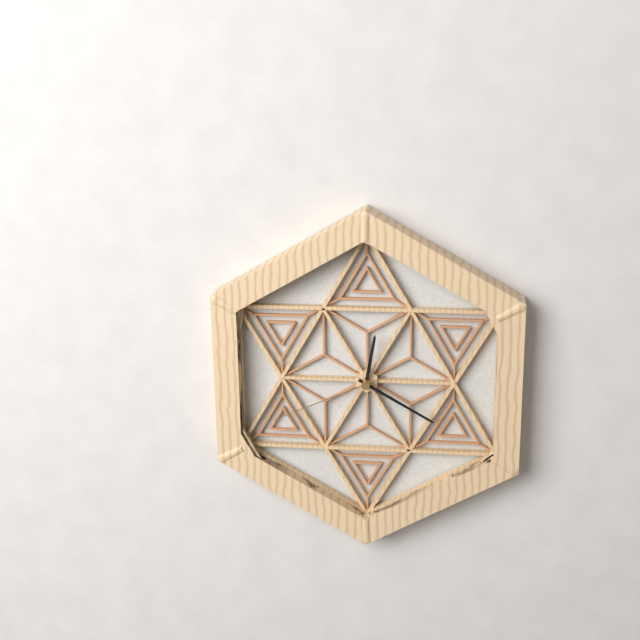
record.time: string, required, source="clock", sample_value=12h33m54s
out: 12h20m41s
